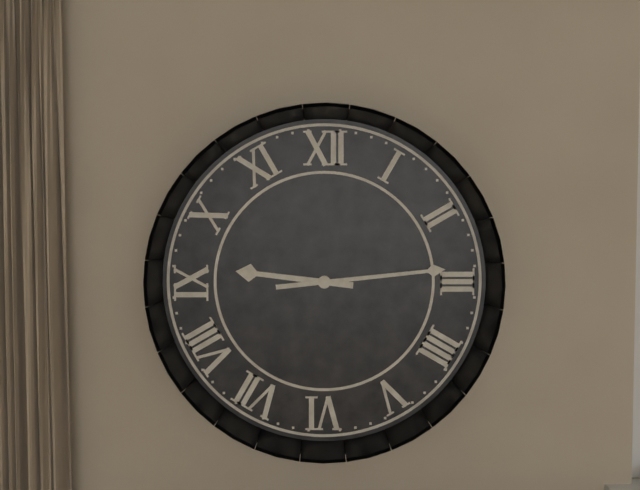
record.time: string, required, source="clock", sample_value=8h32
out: 9h14
